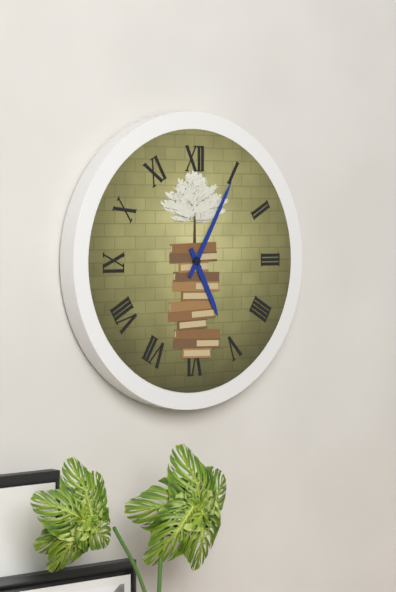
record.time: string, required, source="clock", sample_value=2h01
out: 5h05
